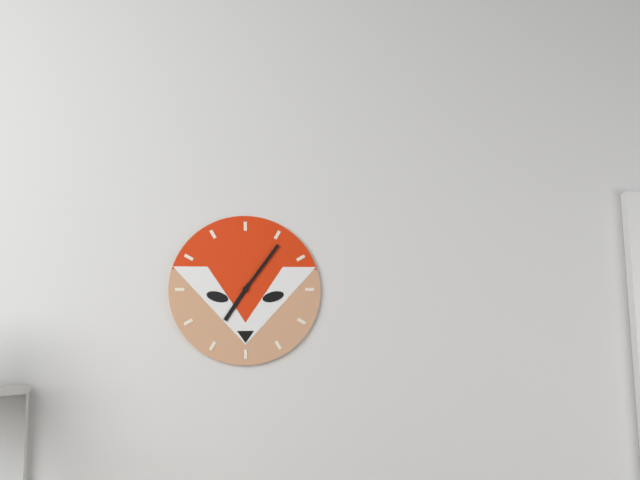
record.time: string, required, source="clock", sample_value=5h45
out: 7h06
